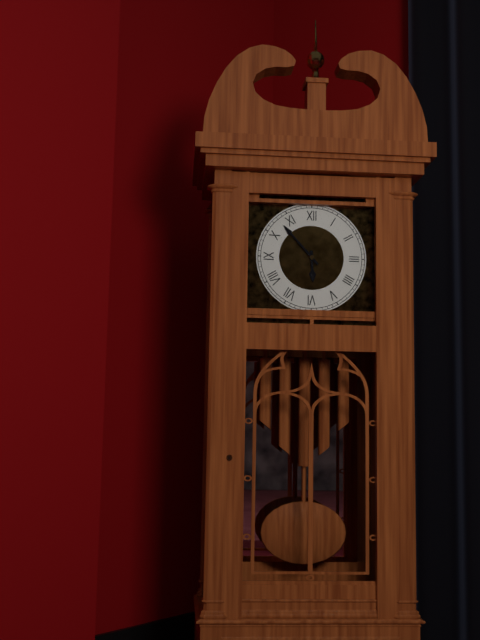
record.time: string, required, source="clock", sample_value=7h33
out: 5h53
